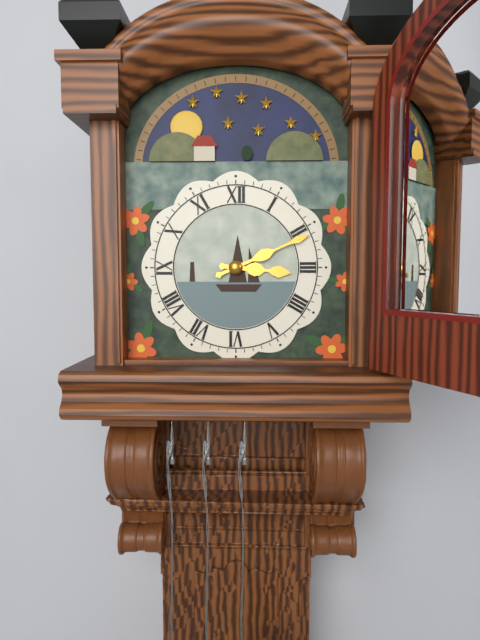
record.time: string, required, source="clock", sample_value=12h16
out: 3h11
